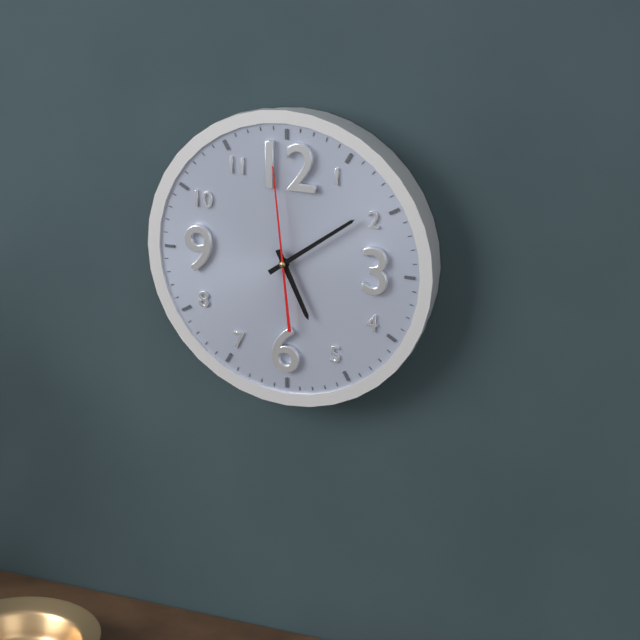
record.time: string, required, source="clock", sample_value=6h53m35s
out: 5h09m59s
